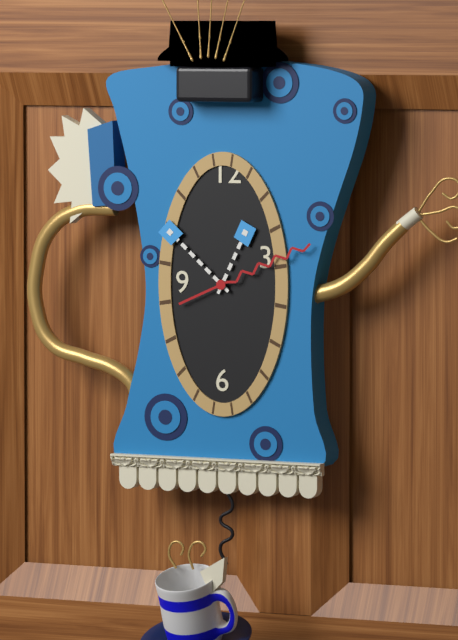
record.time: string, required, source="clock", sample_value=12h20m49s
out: 12h52m11s
